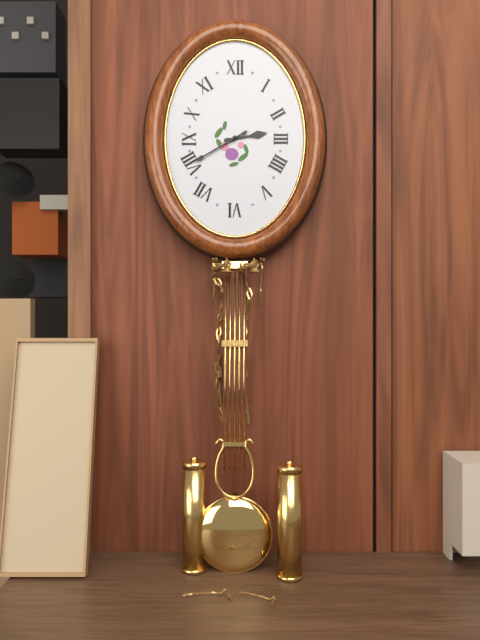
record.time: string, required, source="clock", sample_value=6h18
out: 2h40
